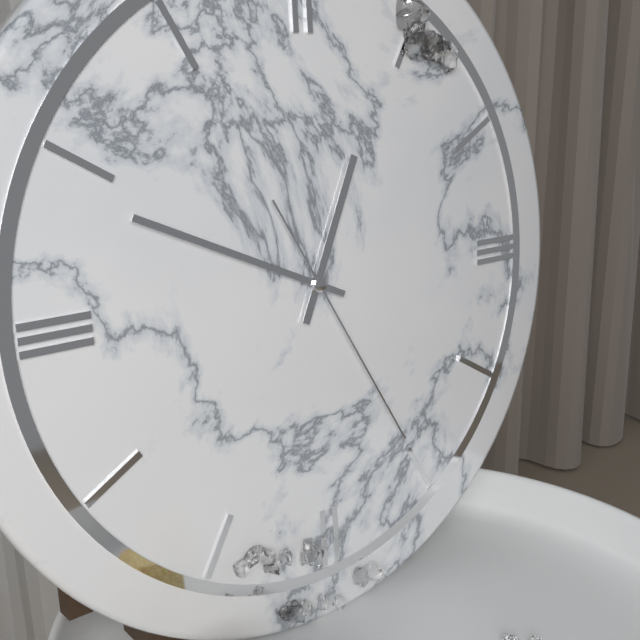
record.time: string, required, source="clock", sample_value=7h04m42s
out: 12h49m25s
